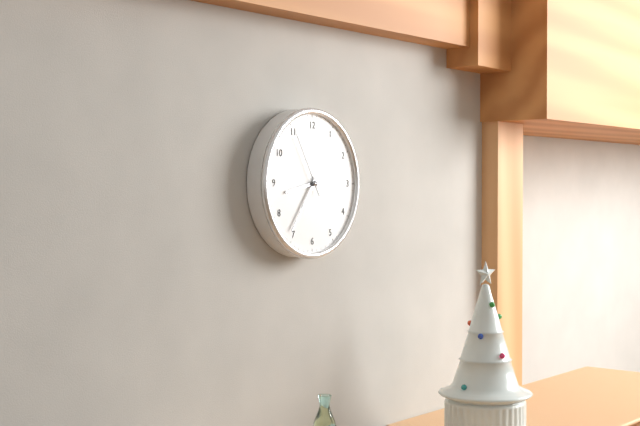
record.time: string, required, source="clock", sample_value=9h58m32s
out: 8h36m55s
